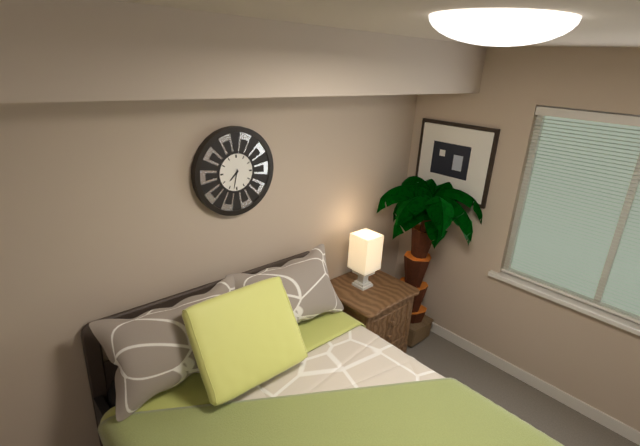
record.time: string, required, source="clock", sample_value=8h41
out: 7h32
